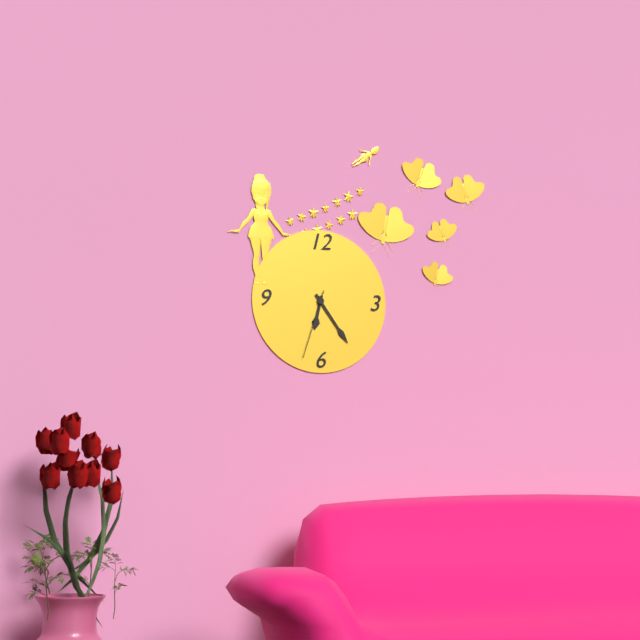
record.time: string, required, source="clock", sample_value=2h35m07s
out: 6h24m33s
